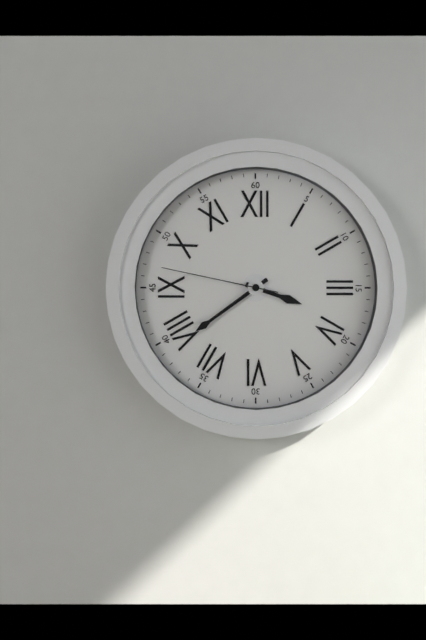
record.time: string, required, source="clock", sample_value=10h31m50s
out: 3h39m47s
